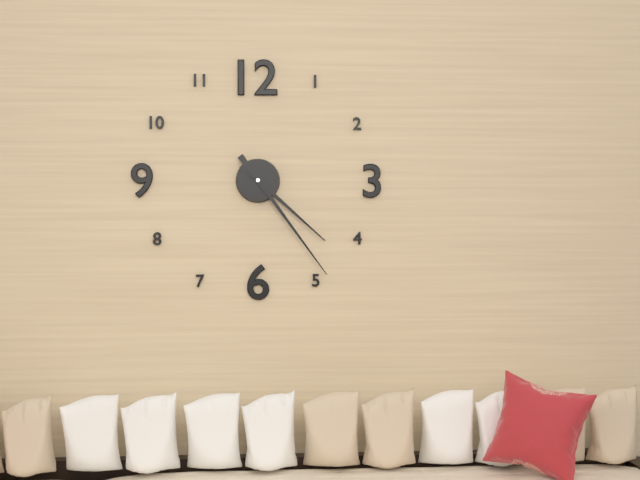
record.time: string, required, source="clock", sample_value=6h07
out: 4h24
